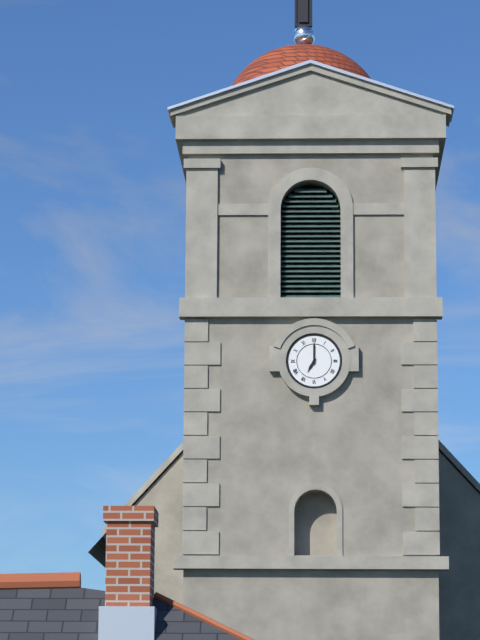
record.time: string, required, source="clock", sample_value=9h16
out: 7h00
